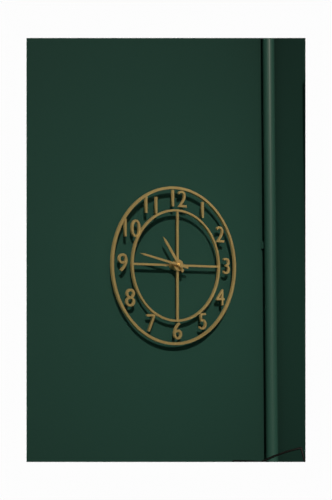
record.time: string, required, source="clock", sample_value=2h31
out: 10h47
